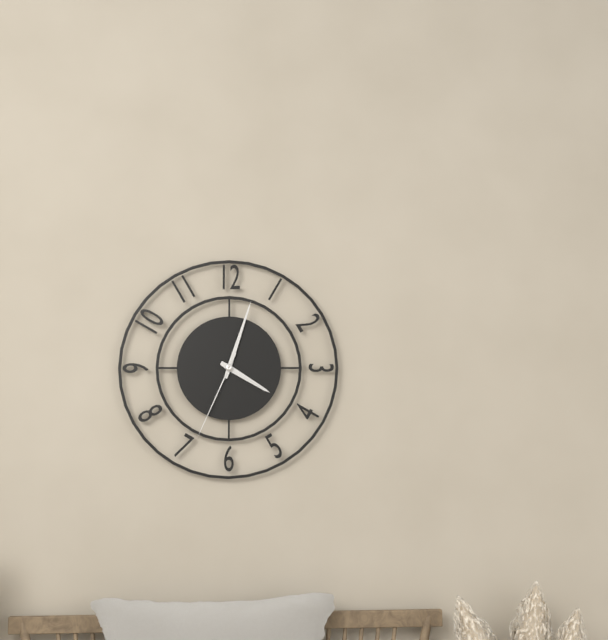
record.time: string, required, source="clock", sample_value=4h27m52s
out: 4h03m34s
